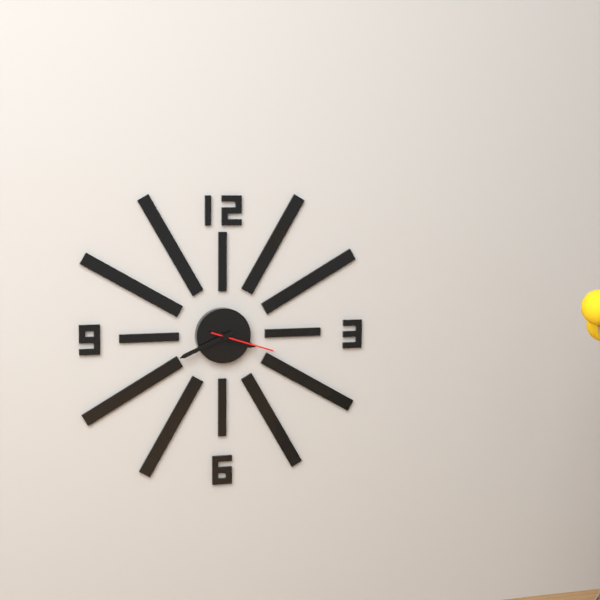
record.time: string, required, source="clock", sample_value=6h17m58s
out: 3h41m18s
